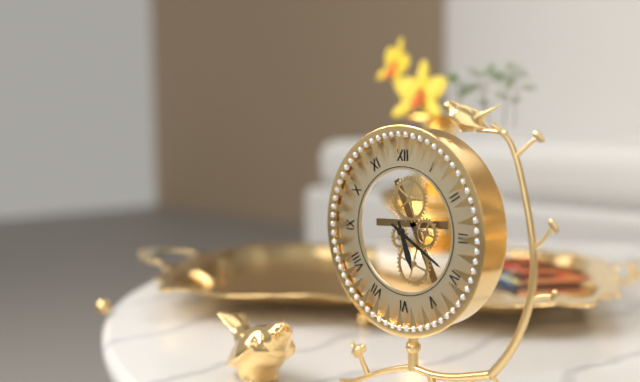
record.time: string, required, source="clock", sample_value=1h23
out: 5h20
